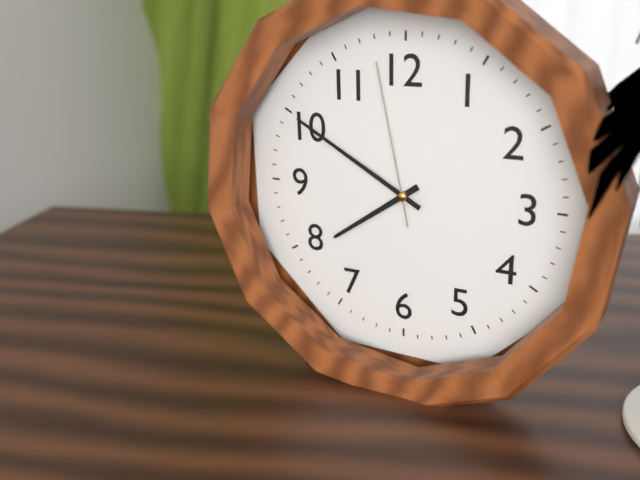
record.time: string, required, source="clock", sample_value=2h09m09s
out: 7h50m58s
